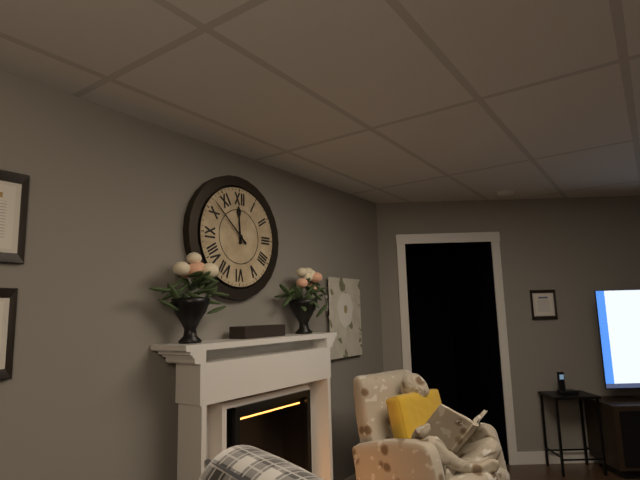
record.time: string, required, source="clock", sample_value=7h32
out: 11h52
